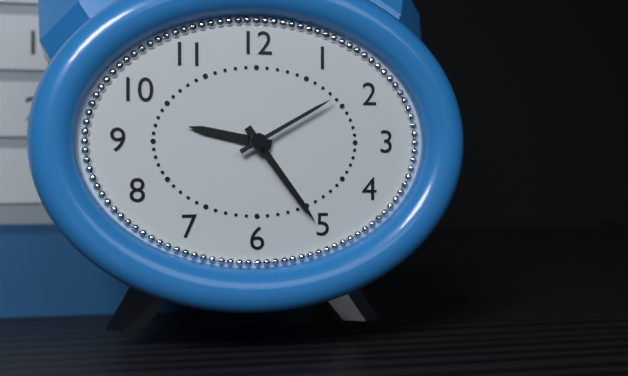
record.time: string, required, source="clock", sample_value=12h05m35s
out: 9h24m10s
